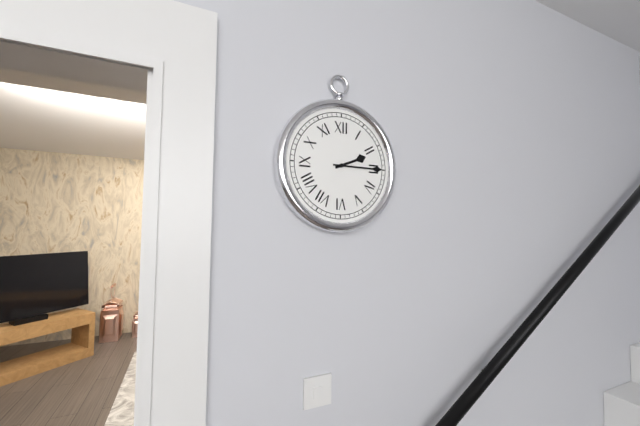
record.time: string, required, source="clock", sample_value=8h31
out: 2h15
